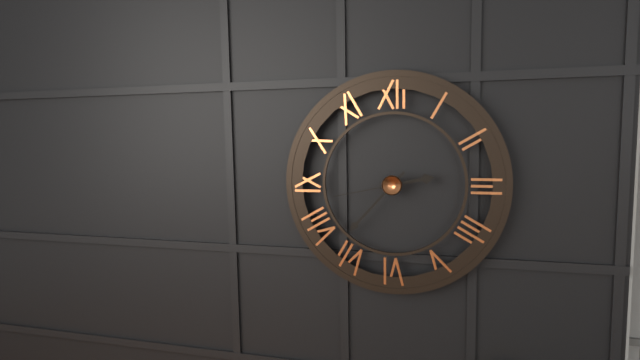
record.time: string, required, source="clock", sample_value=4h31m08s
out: 2h37m43s
